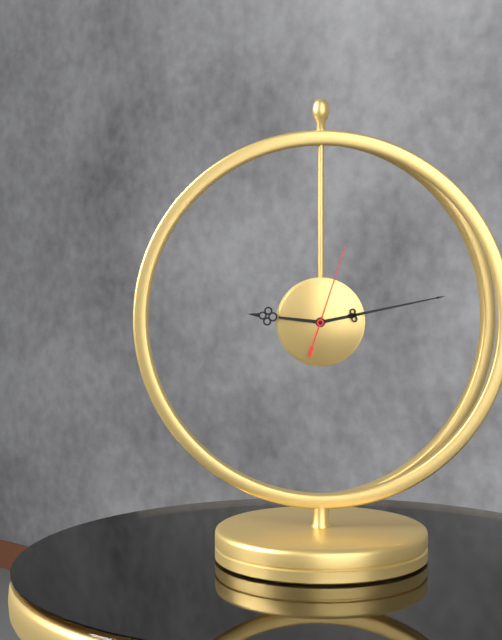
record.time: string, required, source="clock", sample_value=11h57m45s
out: 9h13m03s
